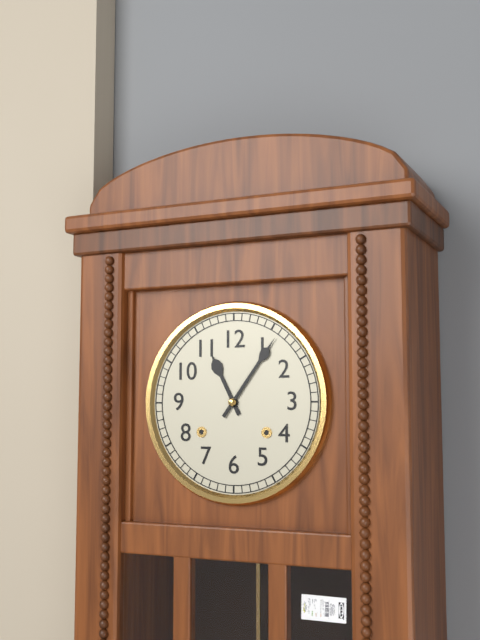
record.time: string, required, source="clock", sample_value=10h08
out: 11h06
